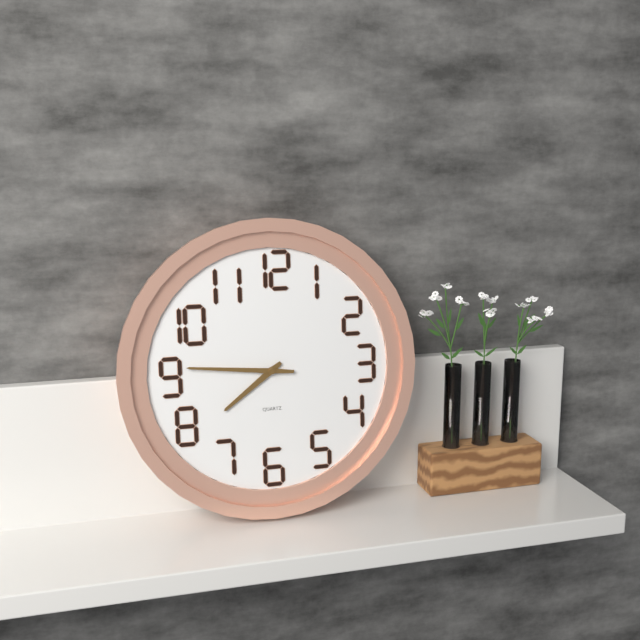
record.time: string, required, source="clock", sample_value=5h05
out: 7h46
